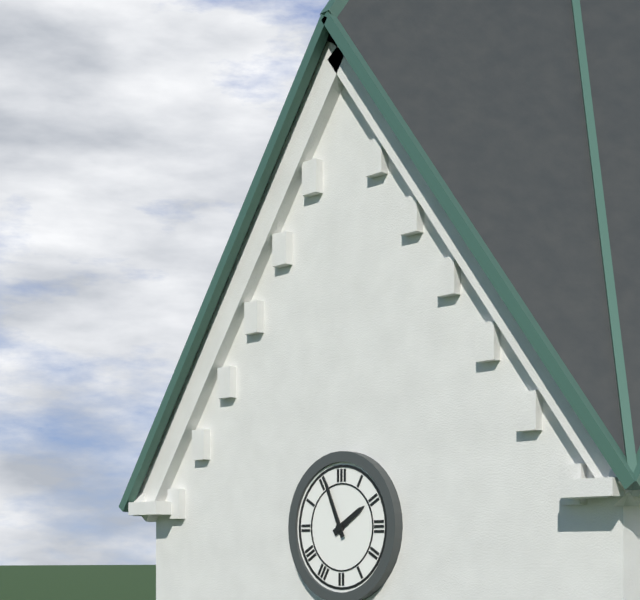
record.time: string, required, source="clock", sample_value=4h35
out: 1h56
